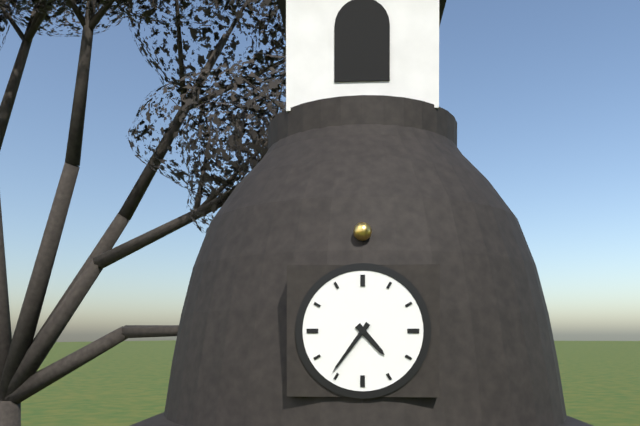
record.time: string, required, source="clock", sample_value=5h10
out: 4h36
